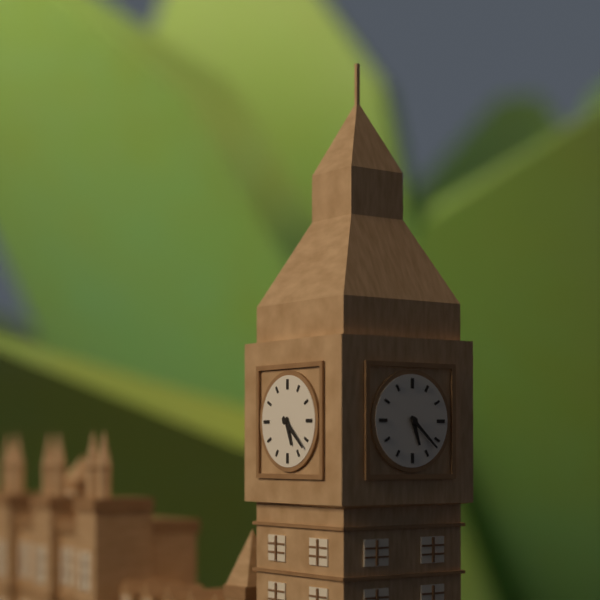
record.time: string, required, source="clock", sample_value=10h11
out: 5h22
